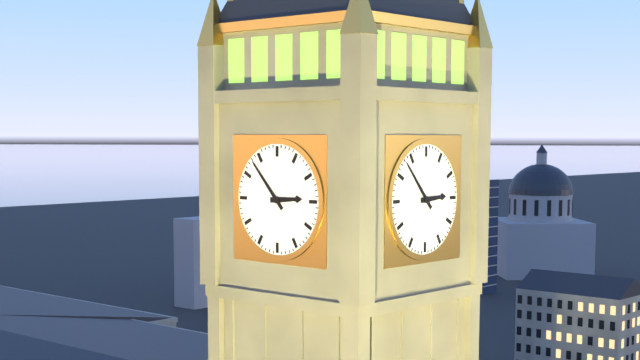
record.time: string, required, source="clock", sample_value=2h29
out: 2h53
